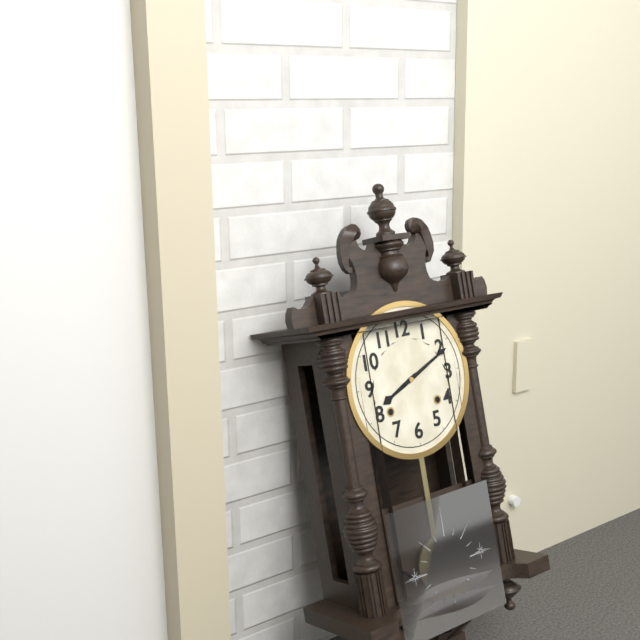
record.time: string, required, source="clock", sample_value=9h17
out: 8h11
